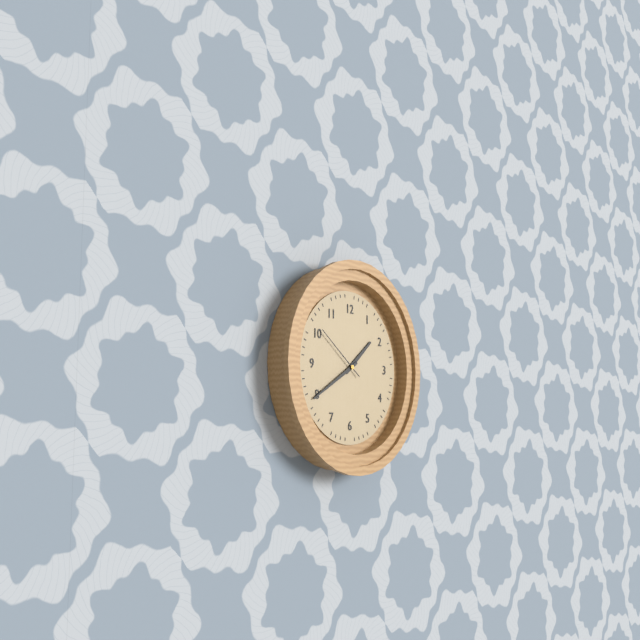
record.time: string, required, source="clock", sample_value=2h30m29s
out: 1h40m51s
